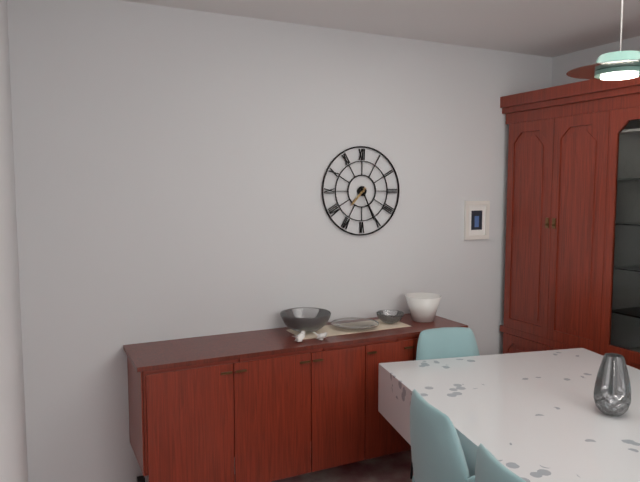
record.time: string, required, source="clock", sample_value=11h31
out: 7h26
